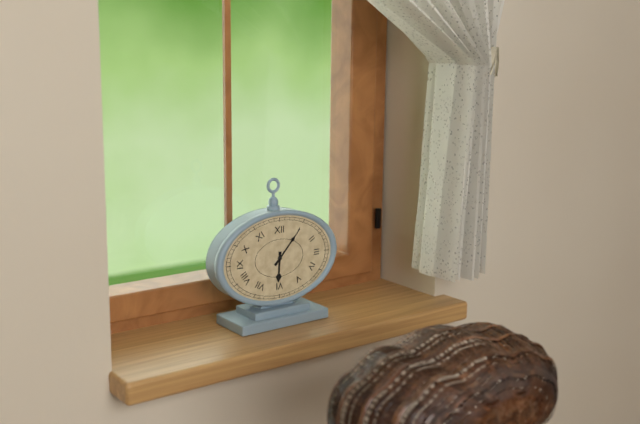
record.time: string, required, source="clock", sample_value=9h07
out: 6h07
